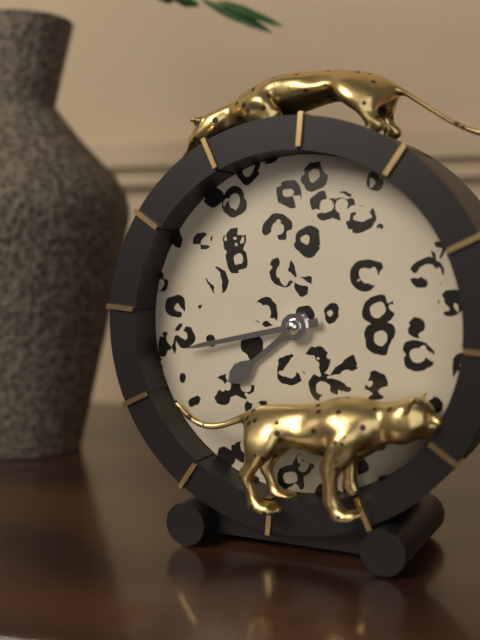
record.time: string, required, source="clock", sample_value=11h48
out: 7h43
